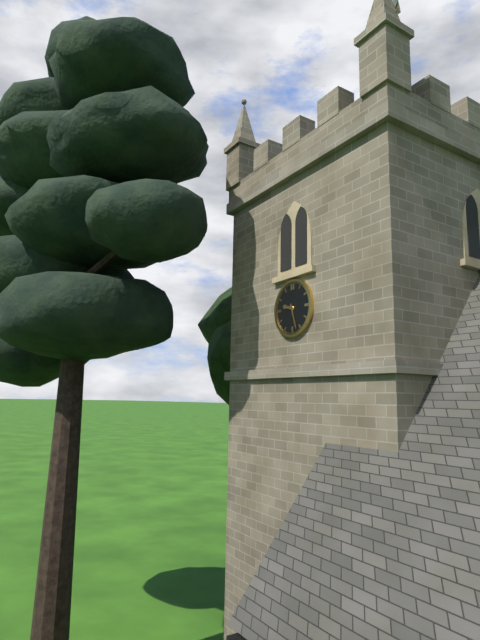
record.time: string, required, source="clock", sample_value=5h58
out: 9h27
